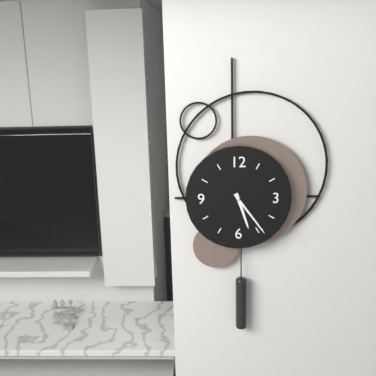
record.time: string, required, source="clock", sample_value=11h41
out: 5h24
